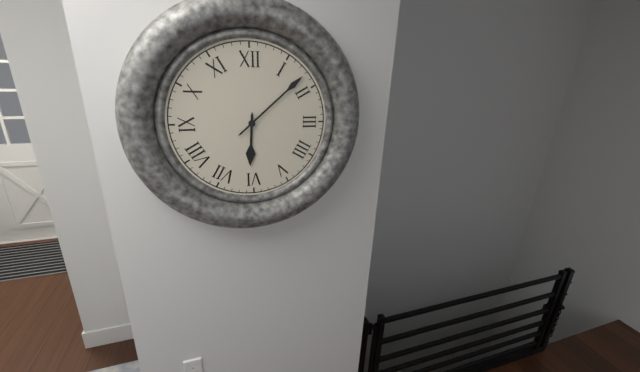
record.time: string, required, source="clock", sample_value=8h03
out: 6h08
